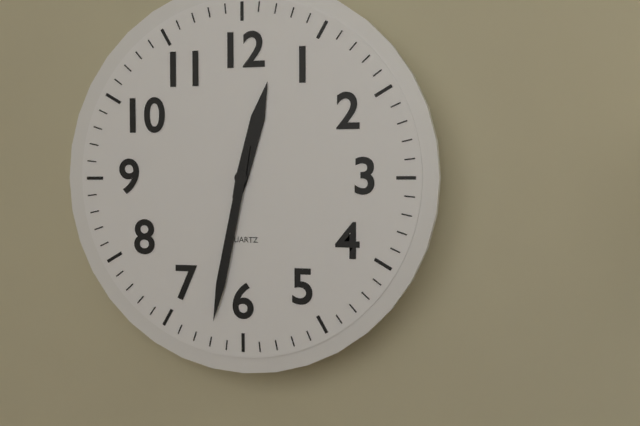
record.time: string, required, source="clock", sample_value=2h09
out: 12h32
